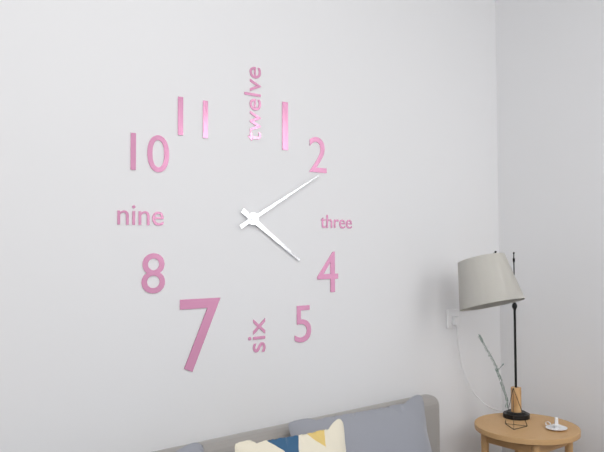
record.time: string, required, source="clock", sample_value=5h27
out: 4h10
